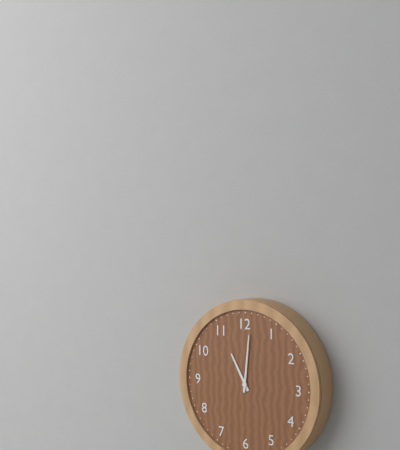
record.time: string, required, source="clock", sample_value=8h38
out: 11h01
